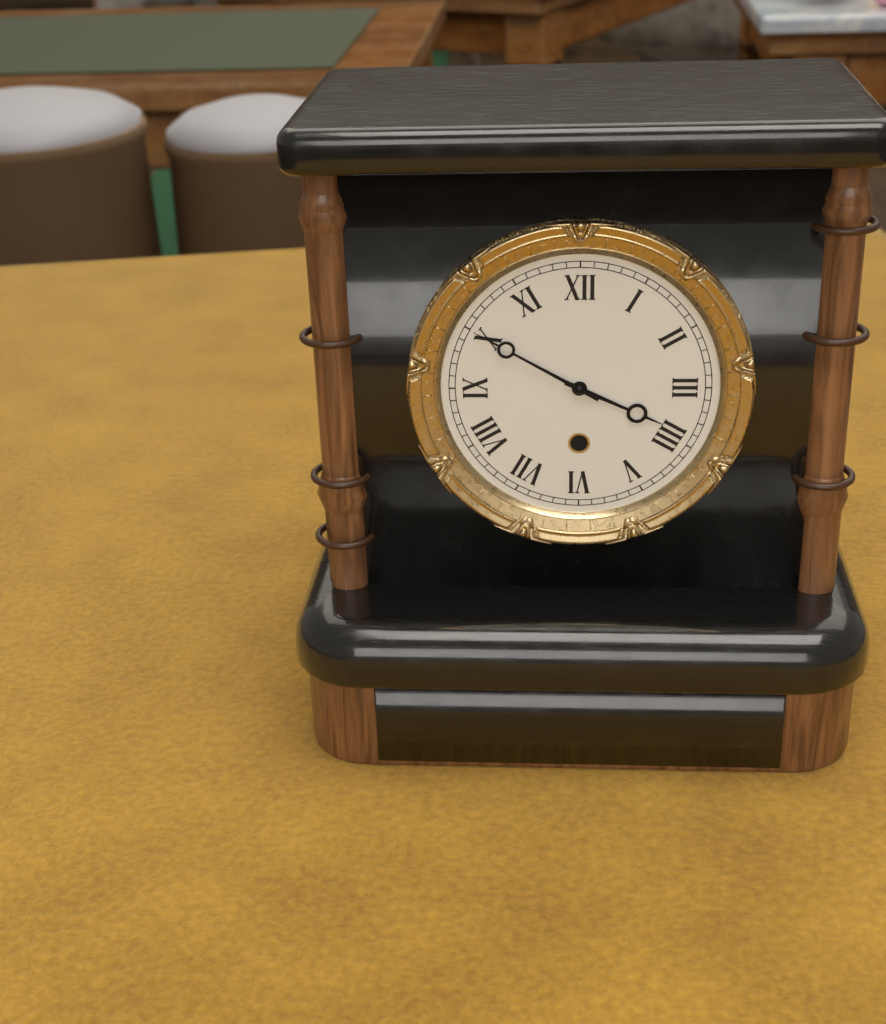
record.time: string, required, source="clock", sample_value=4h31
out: 3h50
